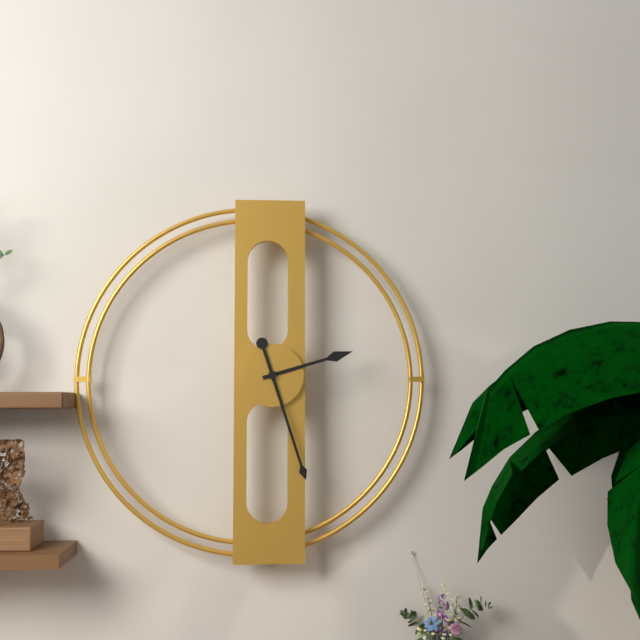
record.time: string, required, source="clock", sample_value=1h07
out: 2h27
